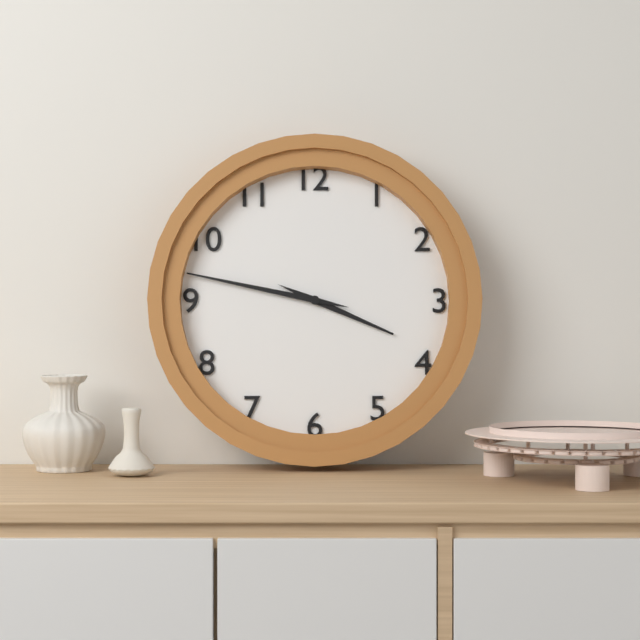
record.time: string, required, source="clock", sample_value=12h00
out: 3h47
